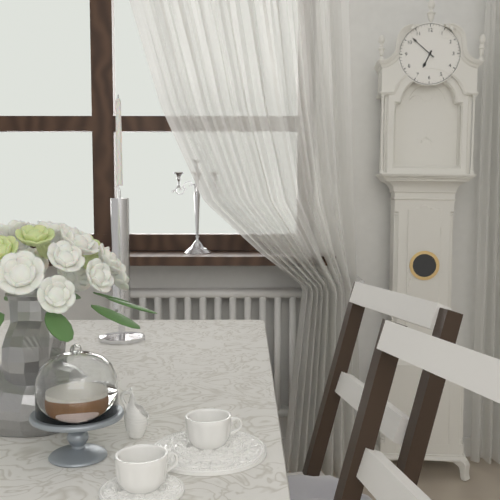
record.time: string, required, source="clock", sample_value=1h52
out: 6h52
